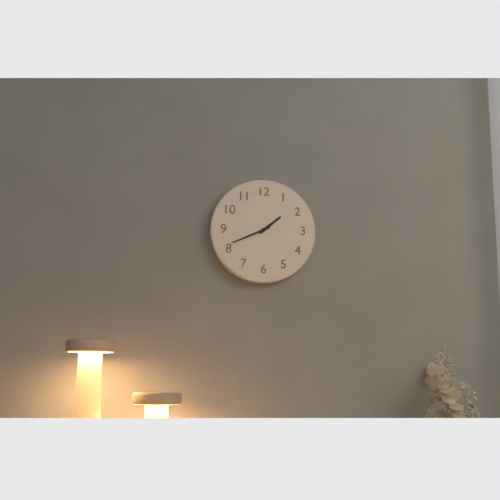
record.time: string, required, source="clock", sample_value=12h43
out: 1h41
